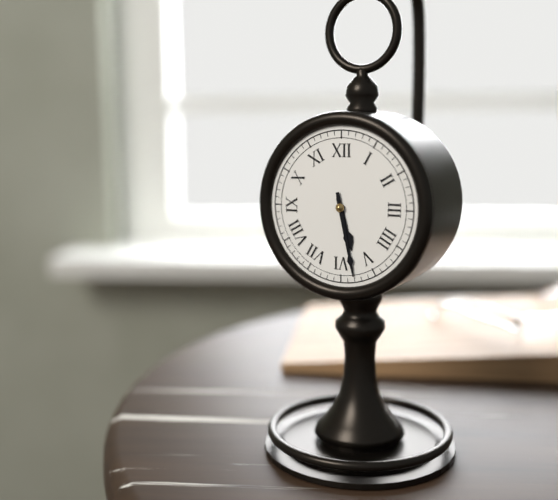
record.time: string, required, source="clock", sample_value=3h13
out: 5h28
